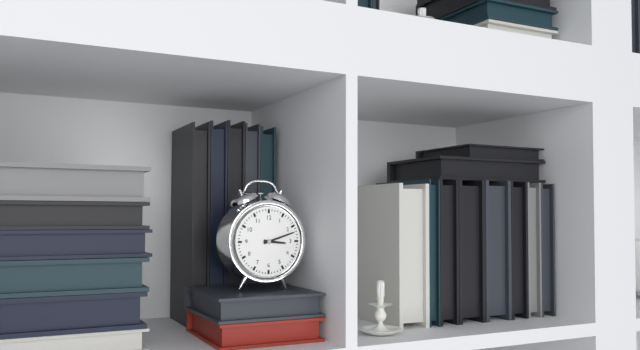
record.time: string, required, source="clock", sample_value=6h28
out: 3h12
